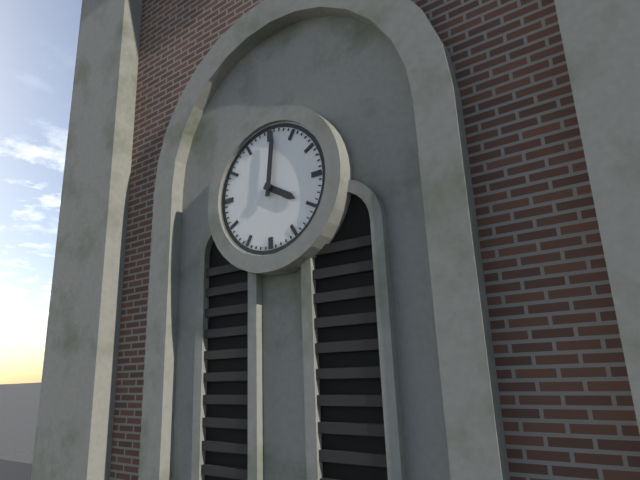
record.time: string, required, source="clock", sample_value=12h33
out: 4h01
